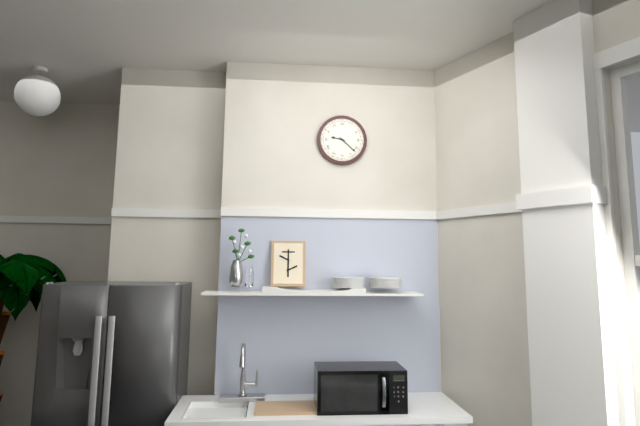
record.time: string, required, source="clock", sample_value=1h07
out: 9h22
